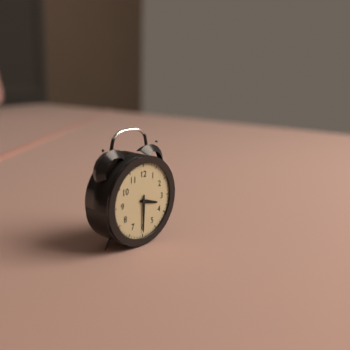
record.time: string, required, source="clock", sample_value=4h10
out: 3h30
